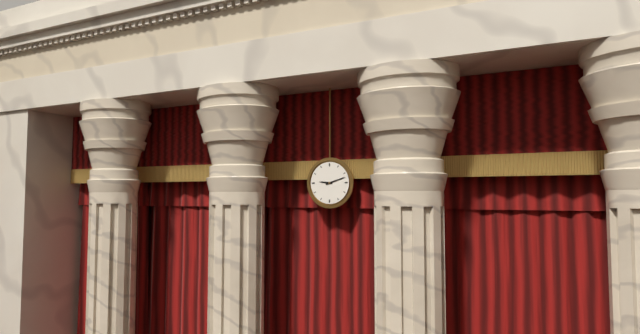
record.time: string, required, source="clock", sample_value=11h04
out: 9h12
